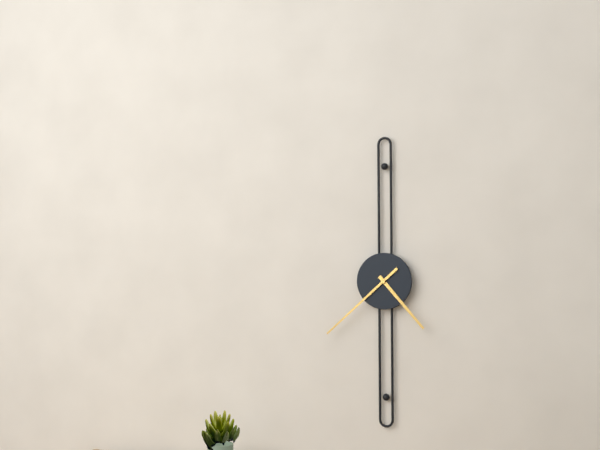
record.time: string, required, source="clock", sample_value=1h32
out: 4h38
